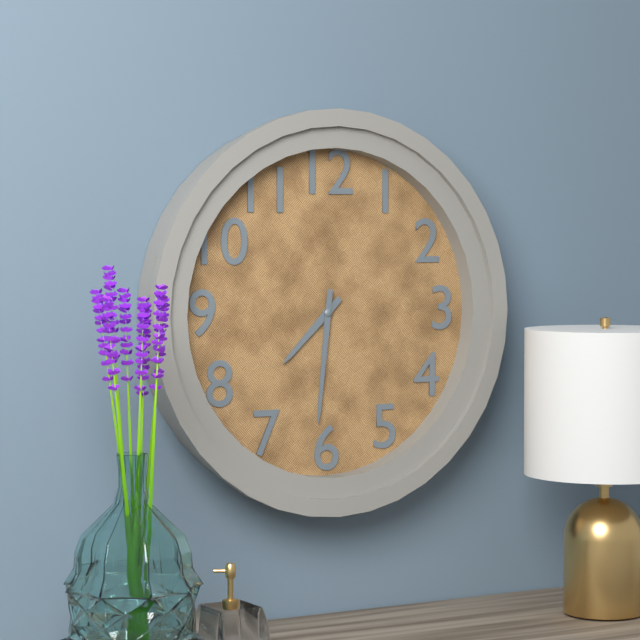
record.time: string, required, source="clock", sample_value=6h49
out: 7h31
